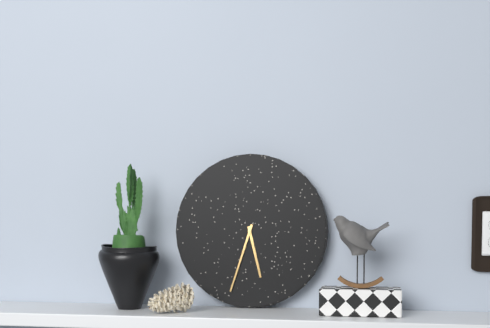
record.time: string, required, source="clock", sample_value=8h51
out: 5h33
